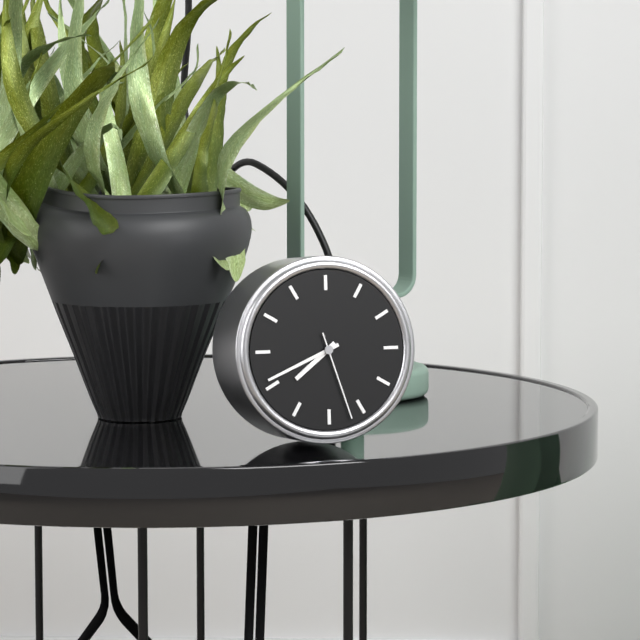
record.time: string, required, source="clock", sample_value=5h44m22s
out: 7h41m27s
